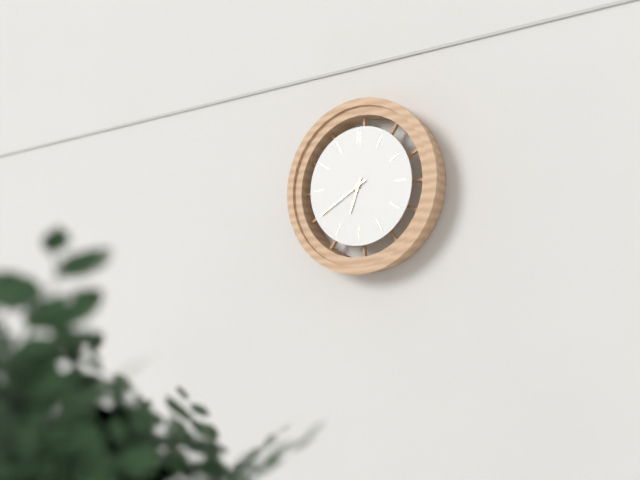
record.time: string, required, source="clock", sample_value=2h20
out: 6h40
